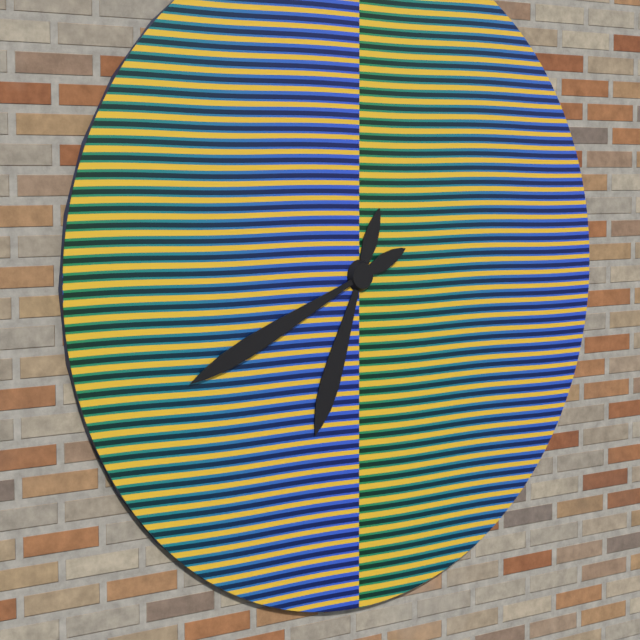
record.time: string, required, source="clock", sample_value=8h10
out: 6h41
